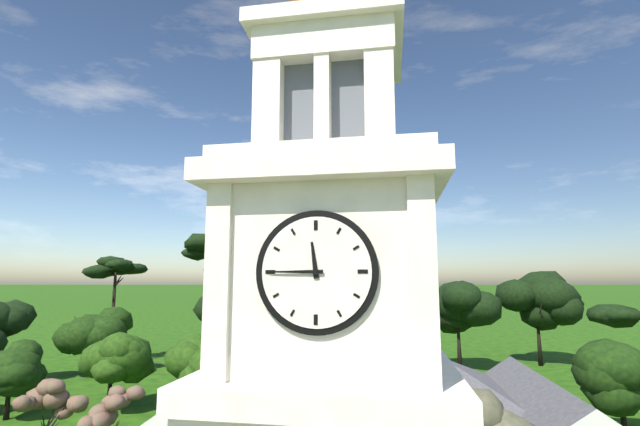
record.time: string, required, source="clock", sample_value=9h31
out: 11h45
